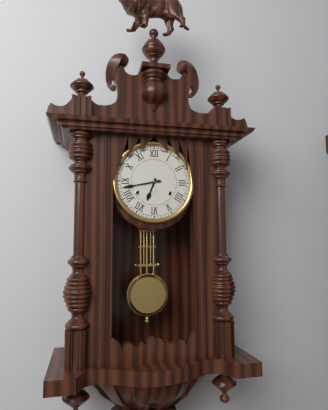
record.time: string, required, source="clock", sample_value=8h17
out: 6h43
